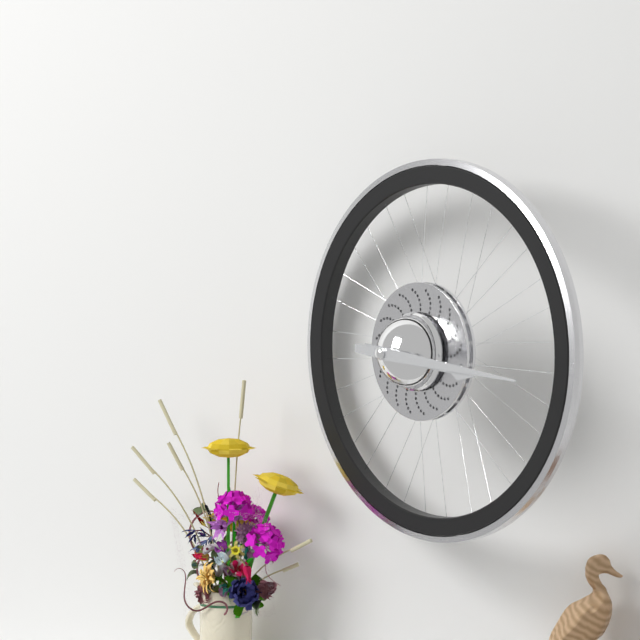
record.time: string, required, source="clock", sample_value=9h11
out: 3h16
